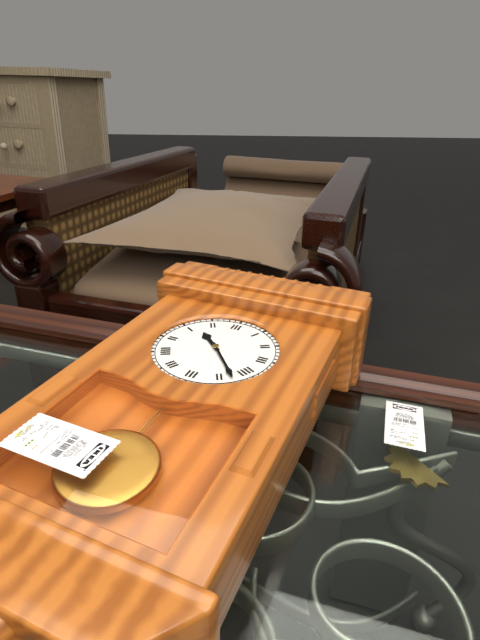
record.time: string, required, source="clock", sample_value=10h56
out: 10h23
